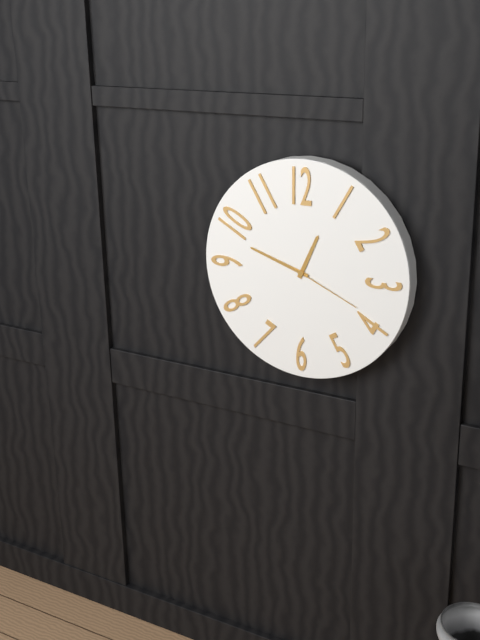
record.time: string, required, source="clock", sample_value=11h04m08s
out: 12h48m19s
